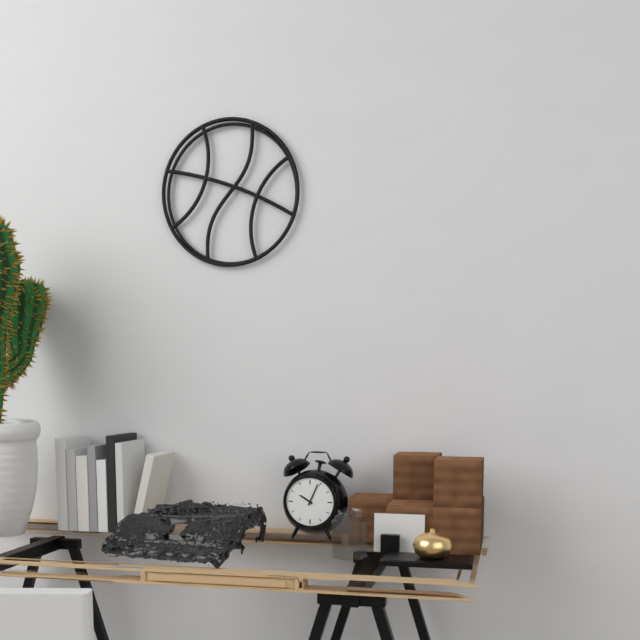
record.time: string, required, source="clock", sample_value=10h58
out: 10h04
